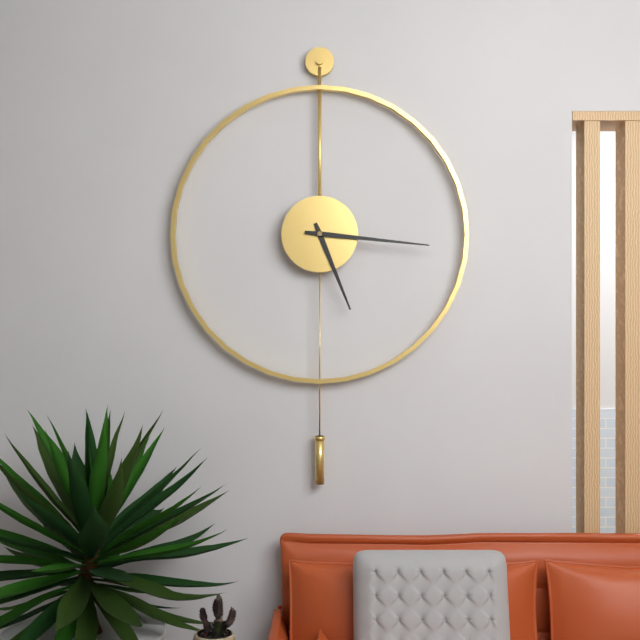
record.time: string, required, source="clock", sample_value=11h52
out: 5h16
